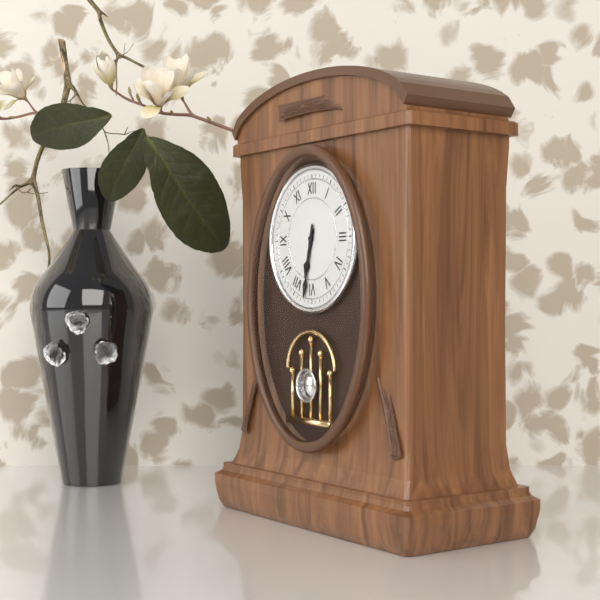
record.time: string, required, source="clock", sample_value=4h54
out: 6h32
